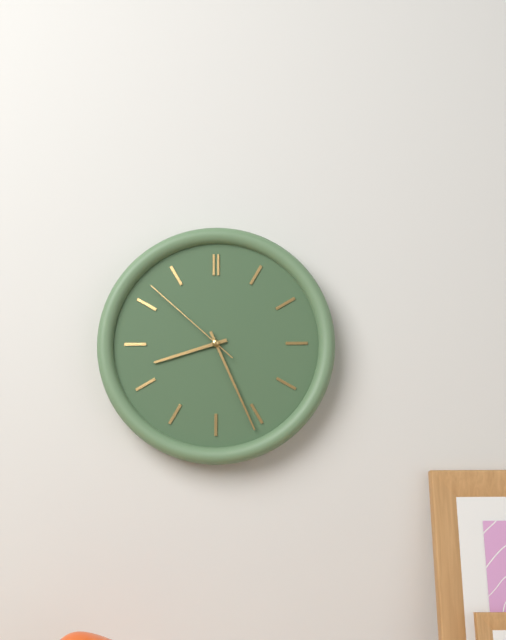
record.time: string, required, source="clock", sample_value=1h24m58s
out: 8h26m52s
